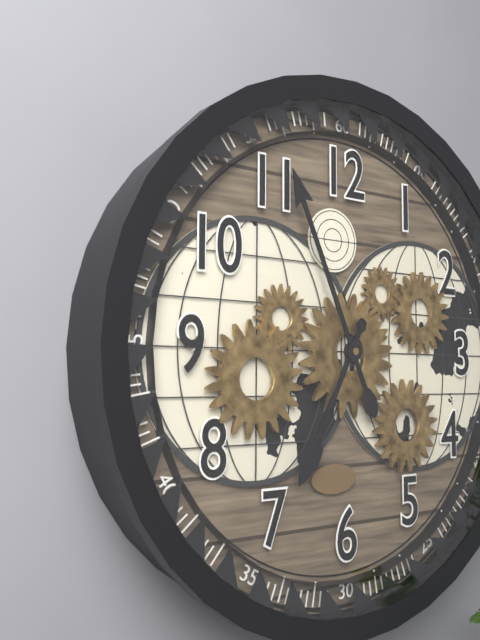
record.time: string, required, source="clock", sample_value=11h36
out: 6h56
